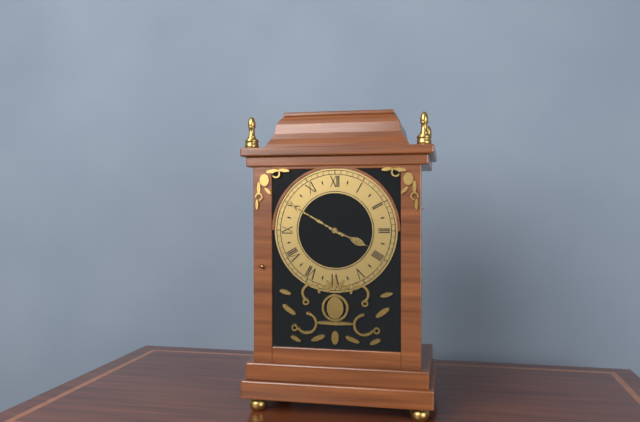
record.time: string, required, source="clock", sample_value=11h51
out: 3h50
